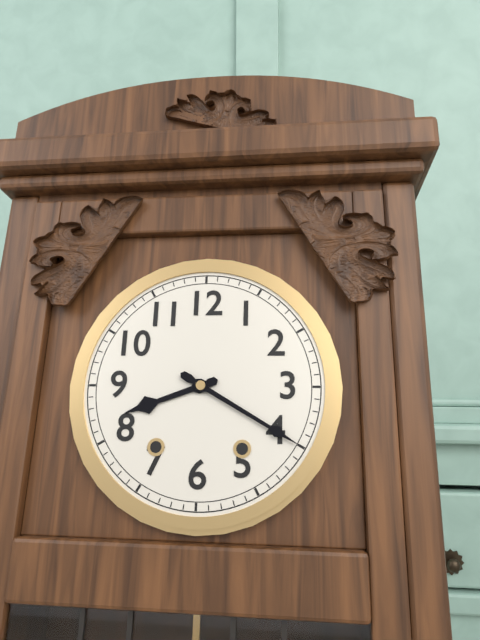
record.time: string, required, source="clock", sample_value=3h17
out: 8h20
